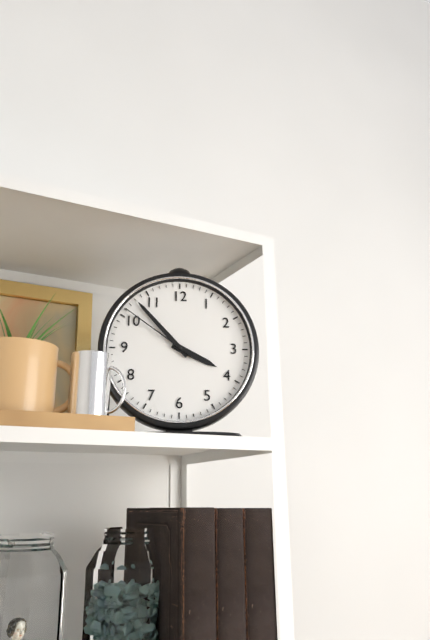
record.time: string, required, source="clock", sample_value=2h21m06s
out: 3h53m51s
